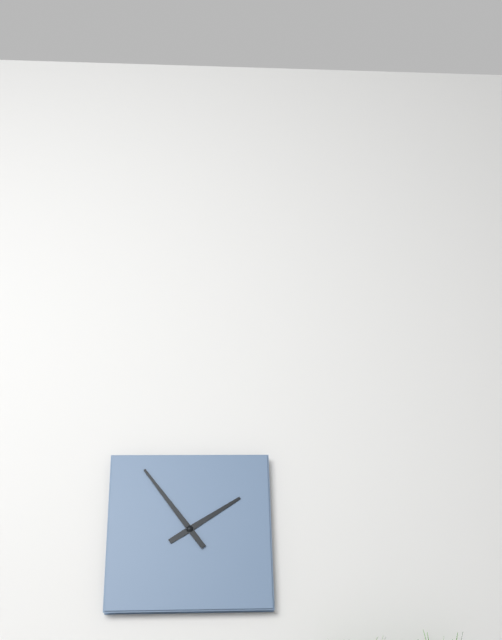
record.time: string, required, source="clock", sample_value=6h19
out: 1h54
